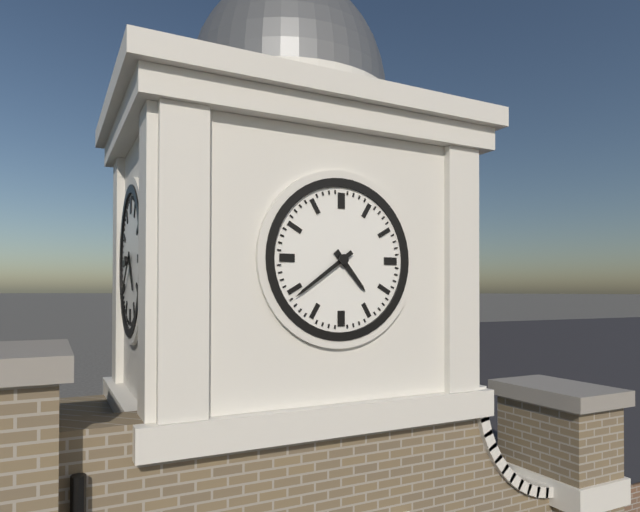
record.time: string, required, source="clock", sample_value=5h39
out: 4h39
